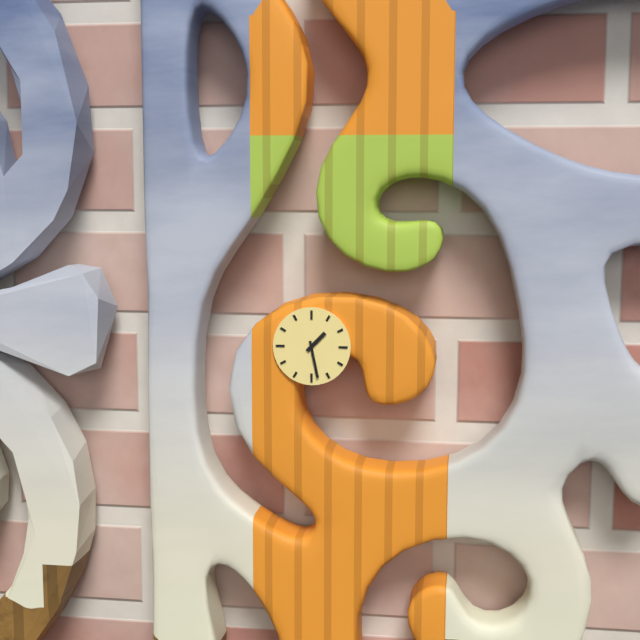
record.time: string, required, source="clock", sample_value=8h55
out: 1h28
